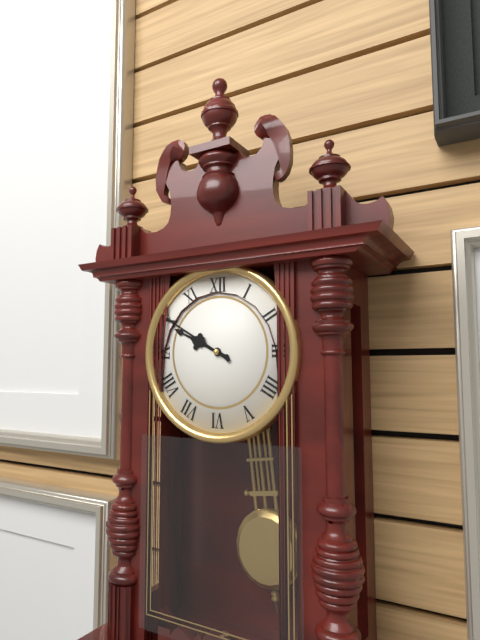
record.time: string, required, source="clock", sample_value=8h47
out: 9h50
